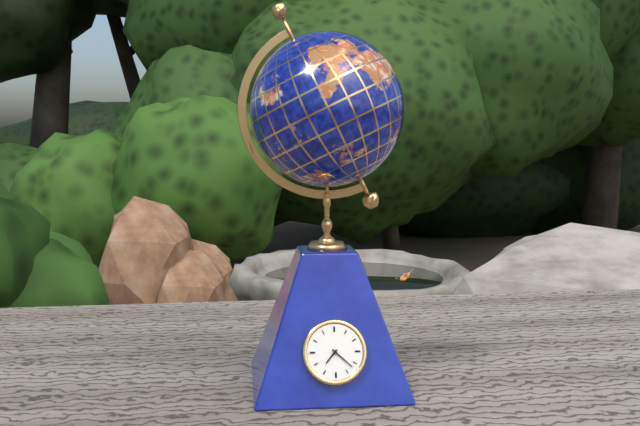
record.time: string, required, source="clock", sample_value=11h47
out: 7h22
